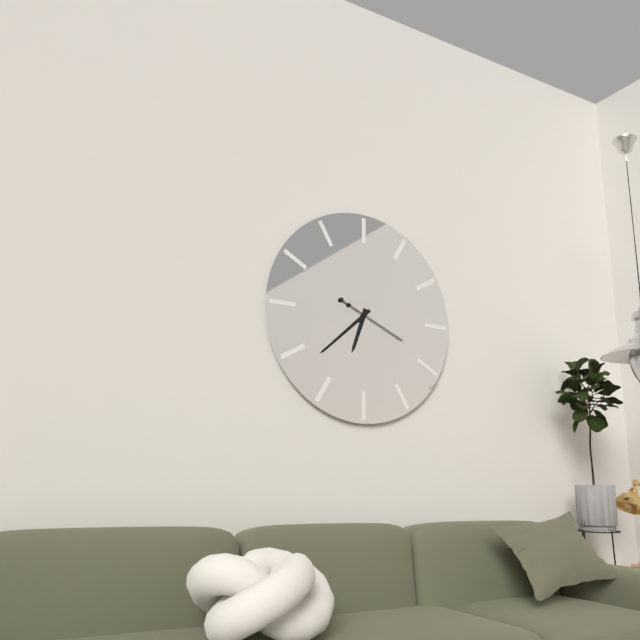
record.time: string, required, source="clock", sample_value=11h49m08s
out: 6h38m19s
